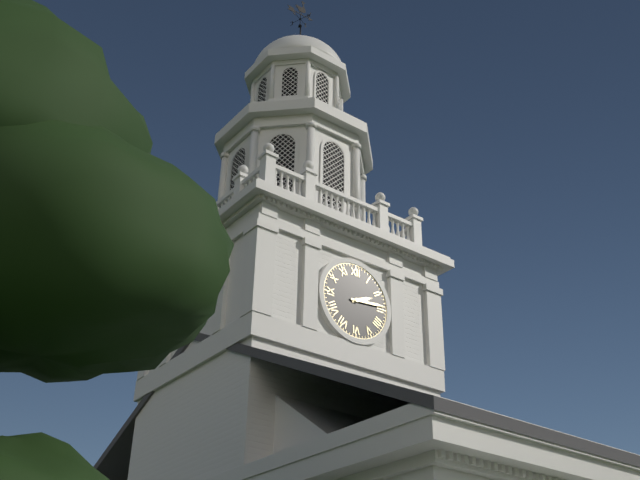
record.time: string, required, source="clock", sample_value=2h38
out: 2h14
